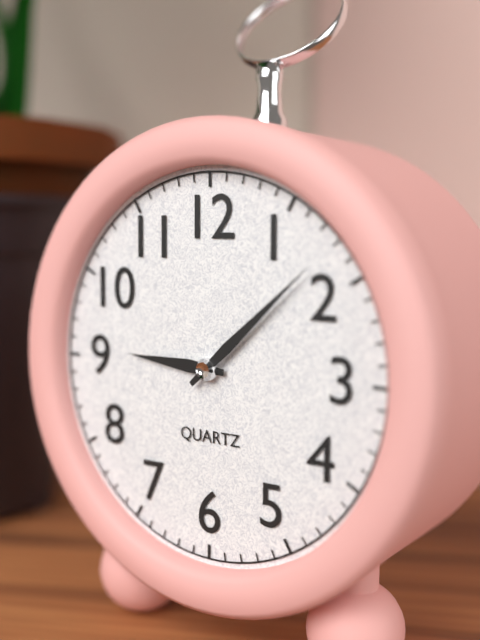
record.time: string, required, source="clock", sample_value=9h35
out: 9h08
